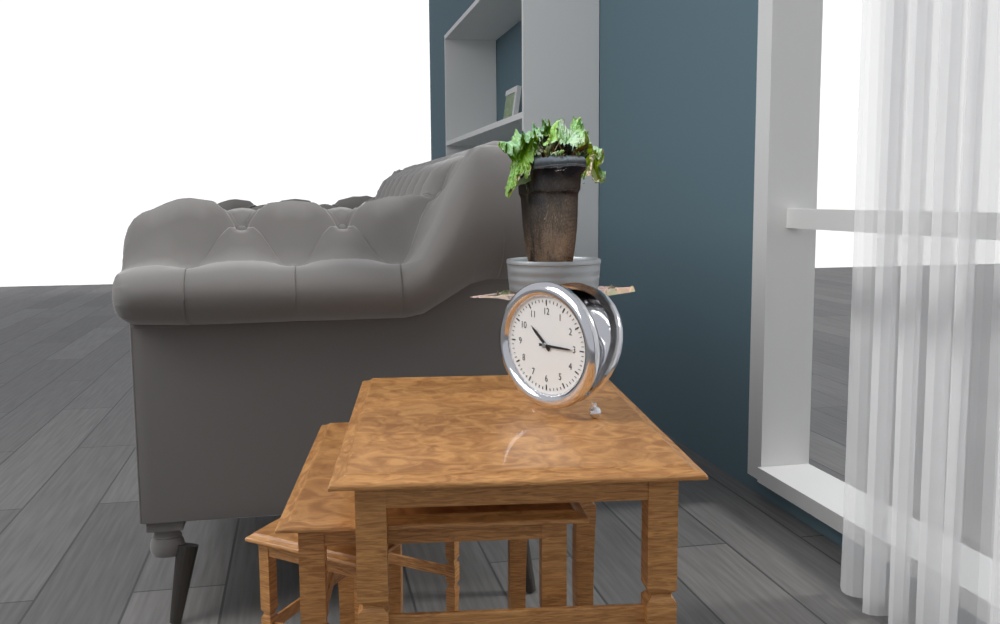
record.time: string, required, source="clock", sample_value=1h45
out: 10h15
